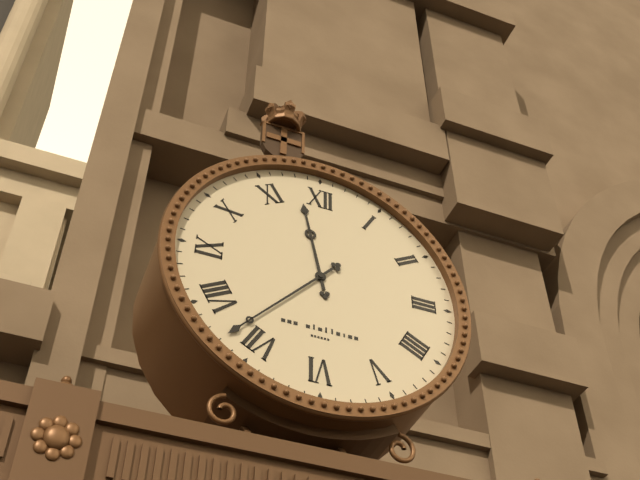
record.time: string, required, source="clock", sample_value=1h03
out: 11h37
